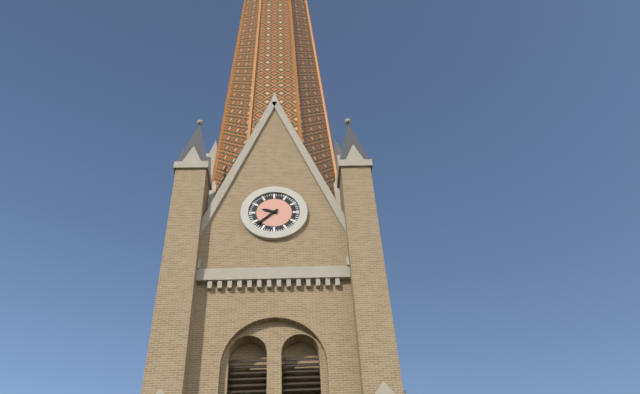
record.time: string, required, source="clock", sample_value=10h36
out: 9h38
